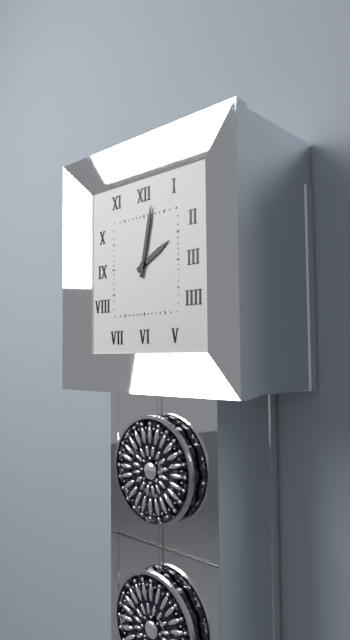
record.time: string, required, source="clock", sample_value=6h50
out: 2h02
